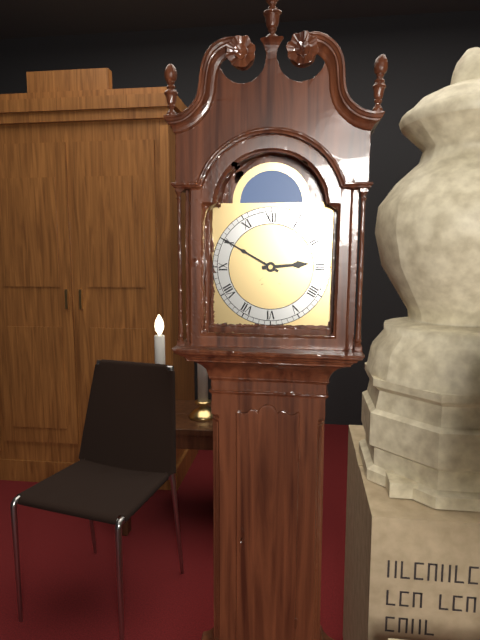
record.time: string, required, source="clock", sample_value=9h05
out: 2h50
